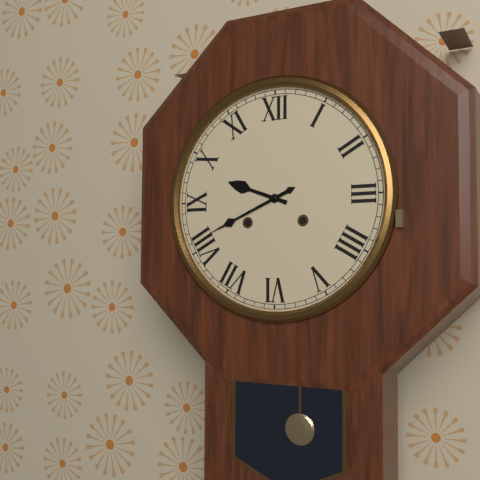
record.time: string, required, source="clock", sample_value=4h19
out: 9h41
